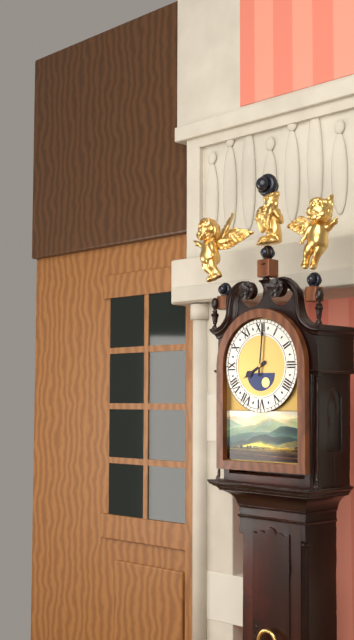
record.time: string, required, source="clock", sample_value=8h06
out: 8h01
